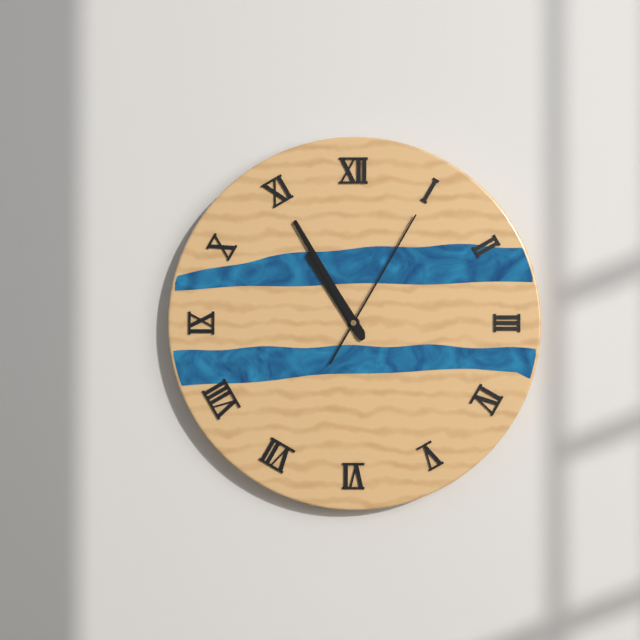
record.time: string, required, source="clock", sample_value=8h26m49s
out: 10h55m05s
